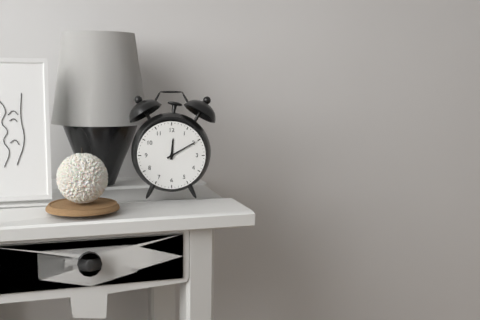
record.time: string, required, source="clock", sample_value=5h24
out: 12h10
